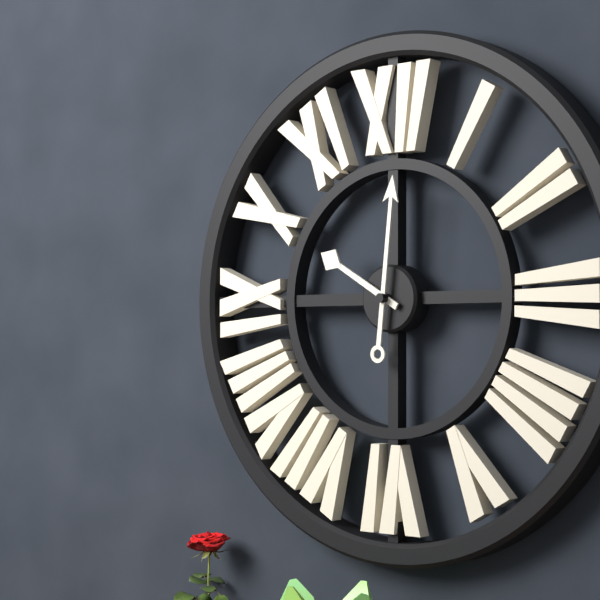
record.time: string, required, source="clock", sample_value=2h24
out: 10h01
